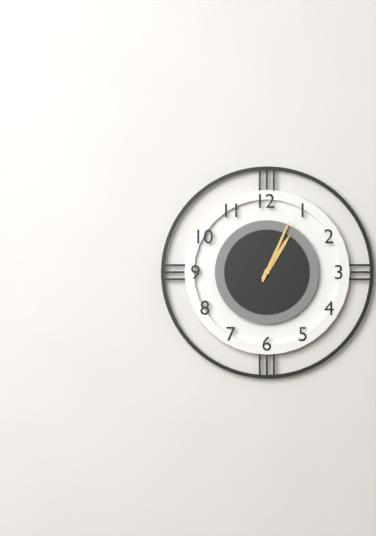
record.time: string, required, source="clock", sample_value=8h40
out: 1h04
